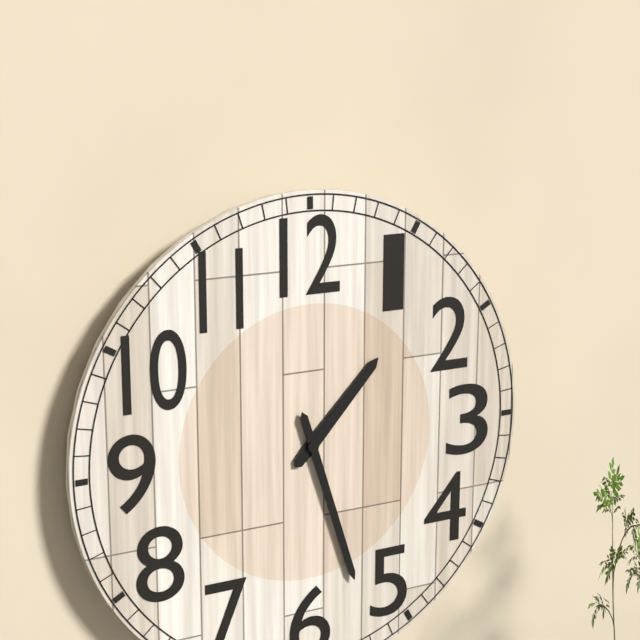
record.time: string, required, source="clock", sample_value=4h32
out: 1h27
